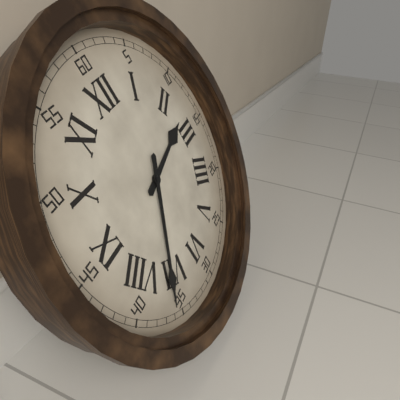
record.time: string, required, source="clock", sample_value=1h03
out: 2h36
